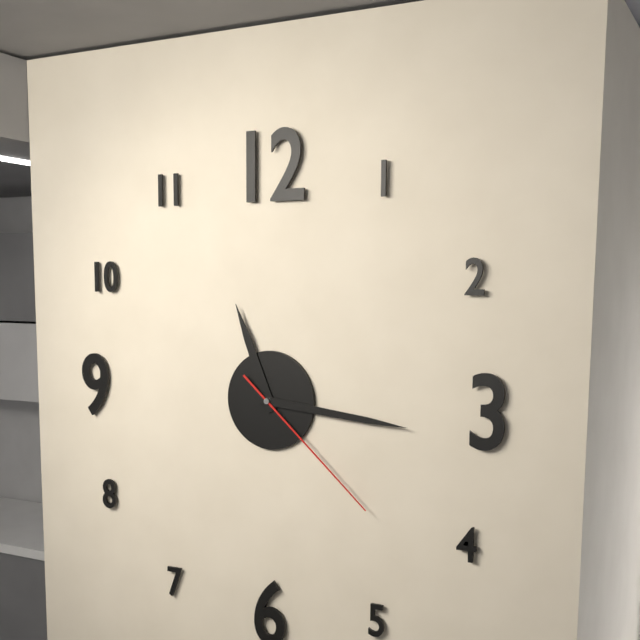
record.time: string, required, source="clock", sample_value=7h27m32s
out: 11h16m22s
